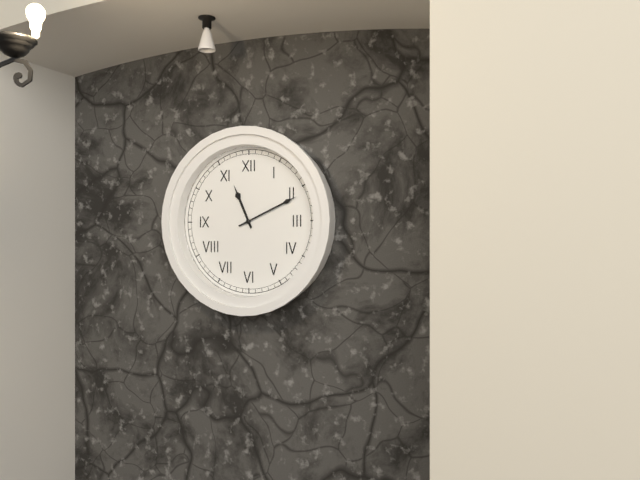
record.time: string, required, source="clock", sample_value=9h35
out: 11h11
